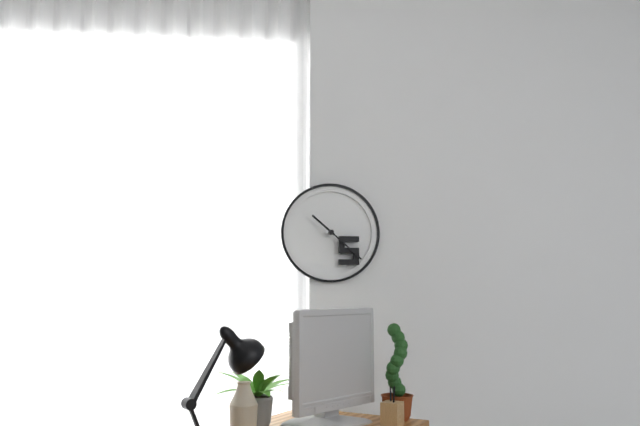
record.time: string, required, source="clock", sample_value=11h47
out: 10h22
